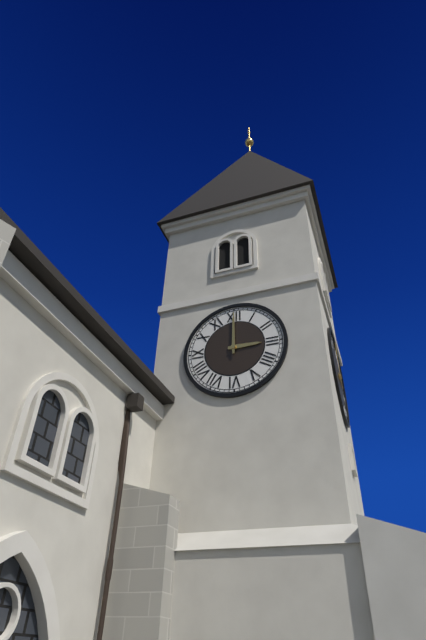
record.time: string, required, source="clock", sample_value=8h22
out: 3h00
